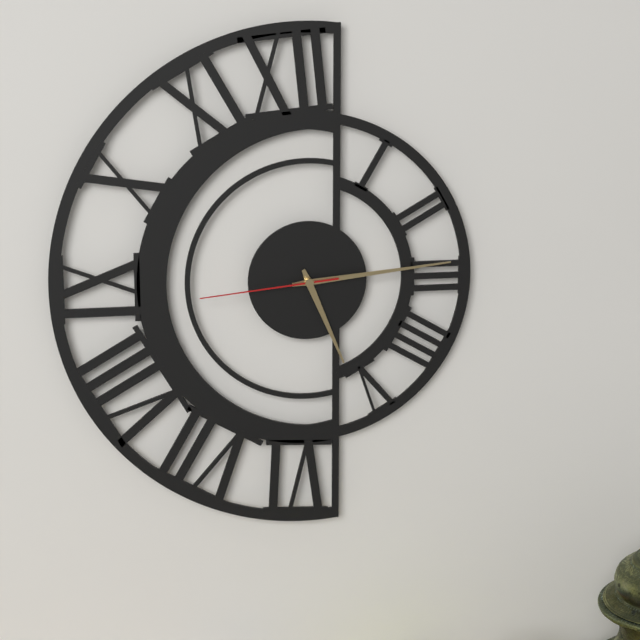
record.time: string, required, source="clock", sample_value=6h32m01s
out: 5h14m44s
